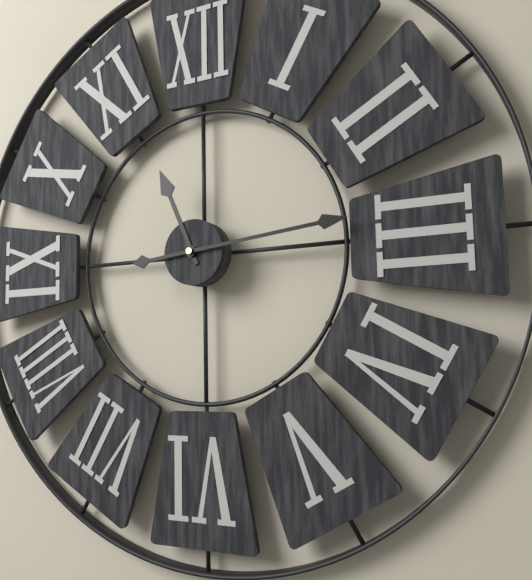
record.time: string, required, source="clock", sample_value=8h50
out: 11h14
